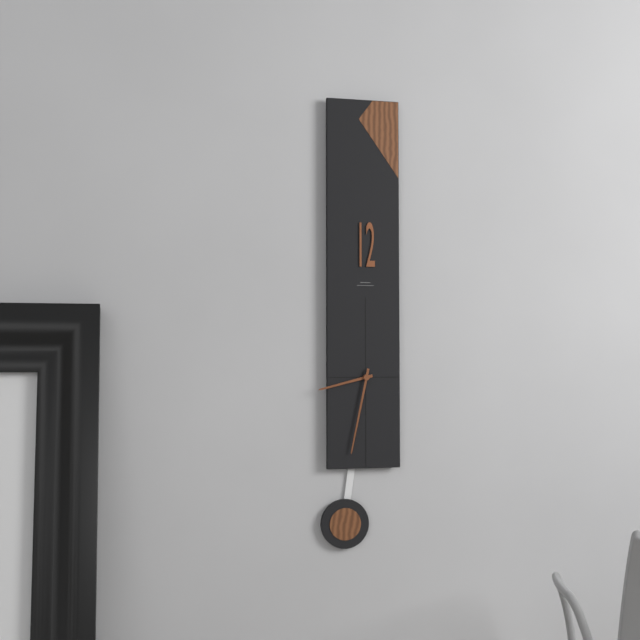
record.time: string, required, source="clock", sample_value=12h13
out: 8h32
